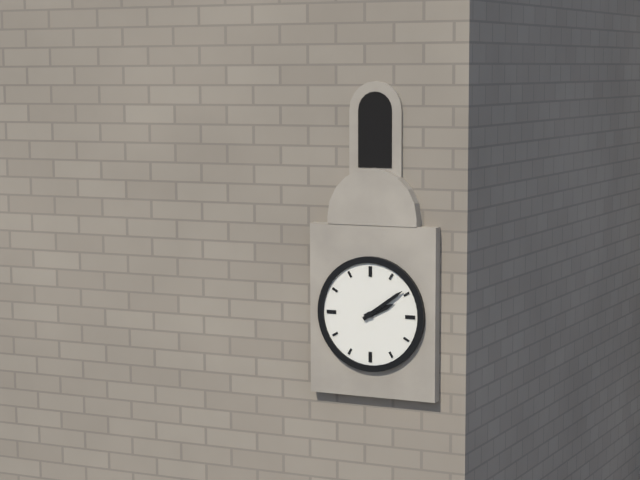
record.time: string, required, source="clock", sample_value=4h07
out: 2h09
